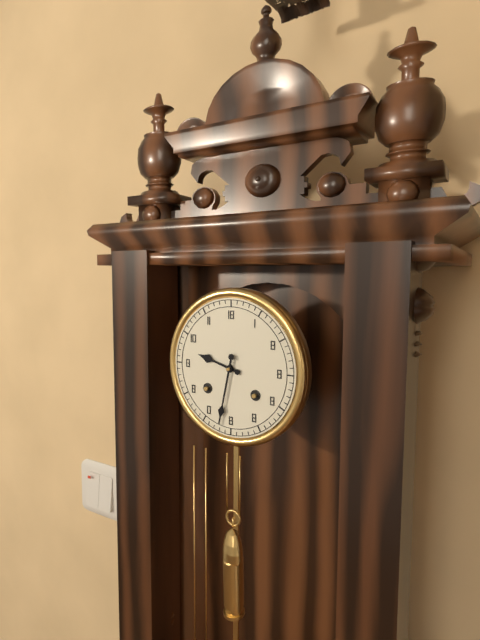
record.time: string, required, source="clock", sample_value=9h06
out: 9h32
